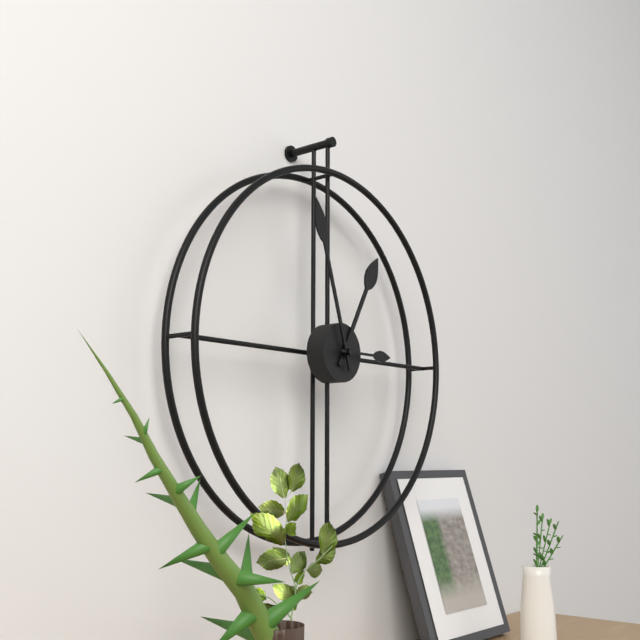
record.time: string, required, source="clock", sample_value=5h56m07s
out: 12h57m15s
